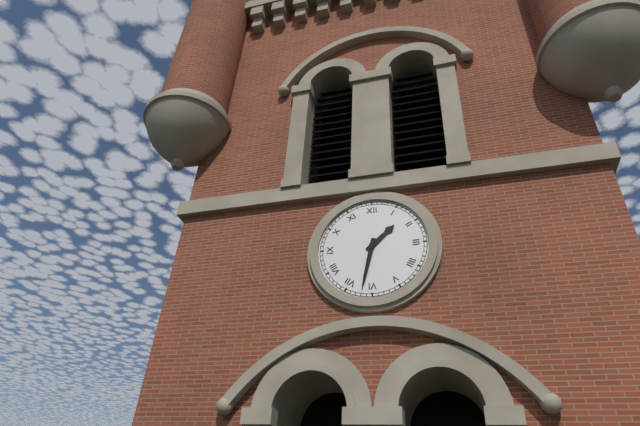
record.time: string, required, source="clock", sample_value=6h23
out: 1h32
